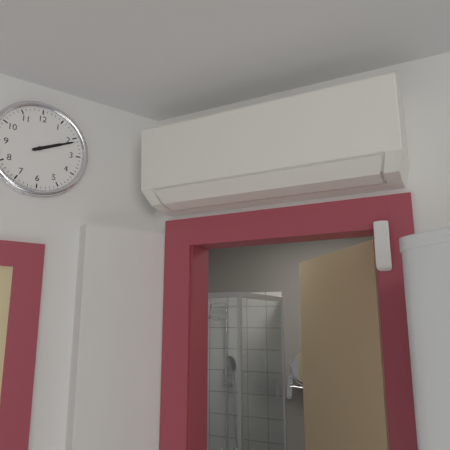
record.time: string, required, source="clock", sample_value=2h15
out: 2h11
